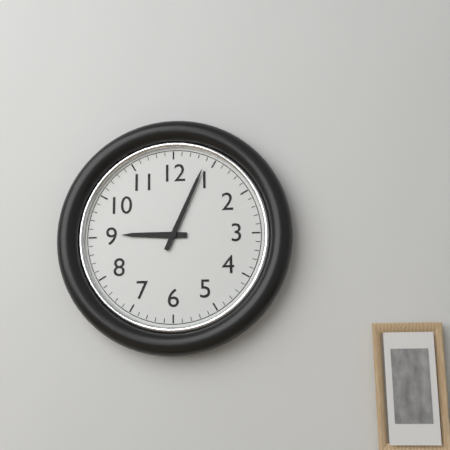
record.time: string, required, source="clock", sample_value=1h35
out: 9h04
